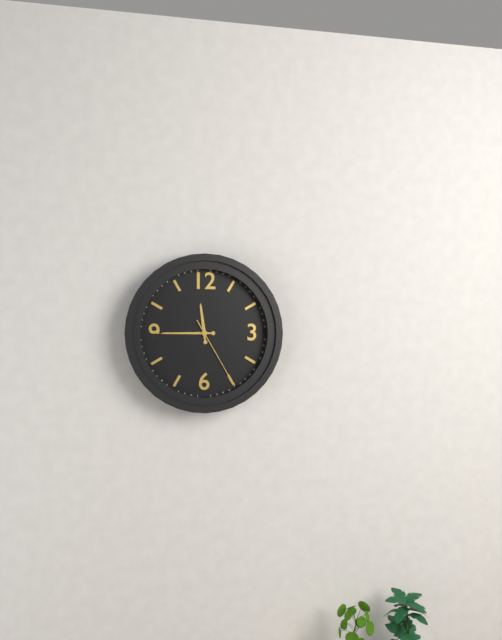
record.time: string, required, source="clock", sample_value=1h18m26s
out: 11h45m25s
